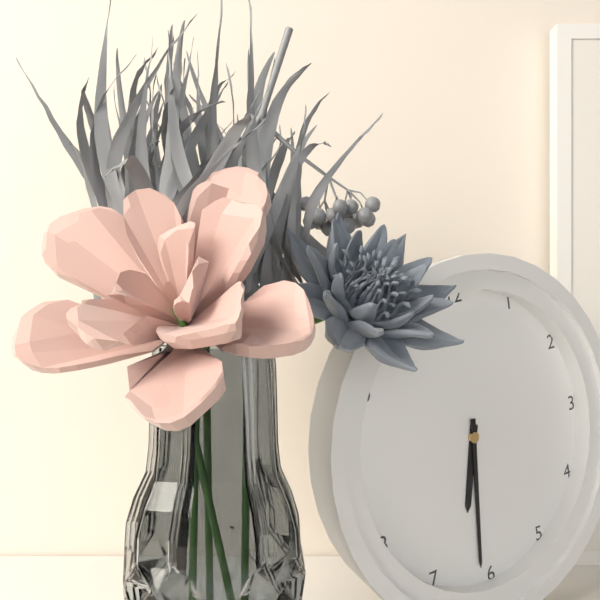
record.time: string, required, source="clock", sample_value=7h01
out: 6h31
